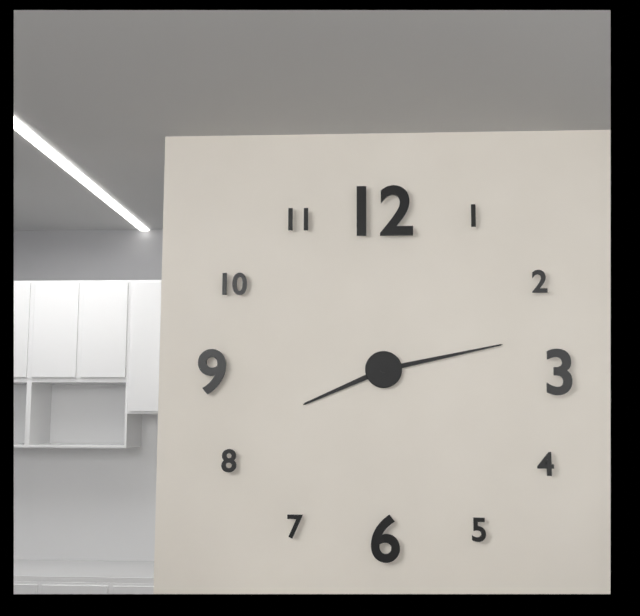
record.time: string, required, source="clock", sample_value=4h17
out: 8h13
